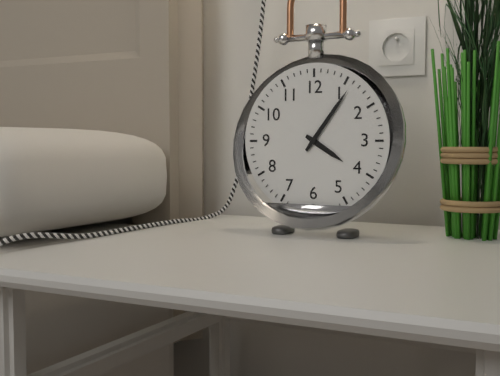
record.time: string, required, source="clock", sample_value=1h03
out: 4h06
